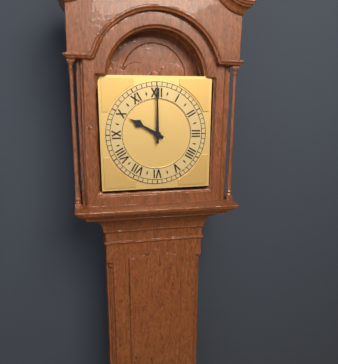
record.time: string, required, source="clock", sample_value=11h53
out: 10h00
